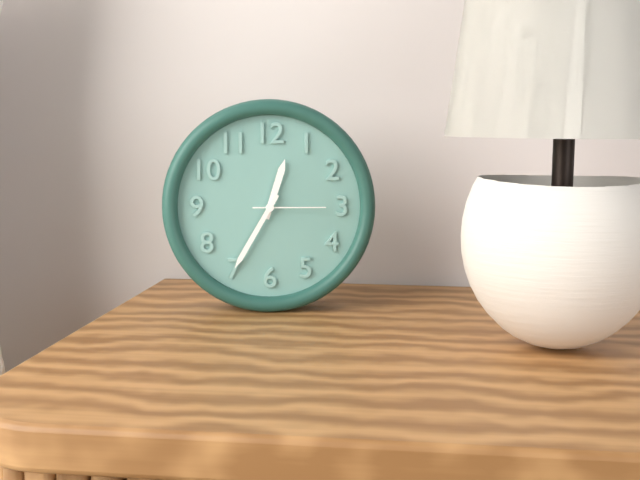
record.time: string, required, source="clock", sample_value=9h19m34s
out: 12h35m15s
